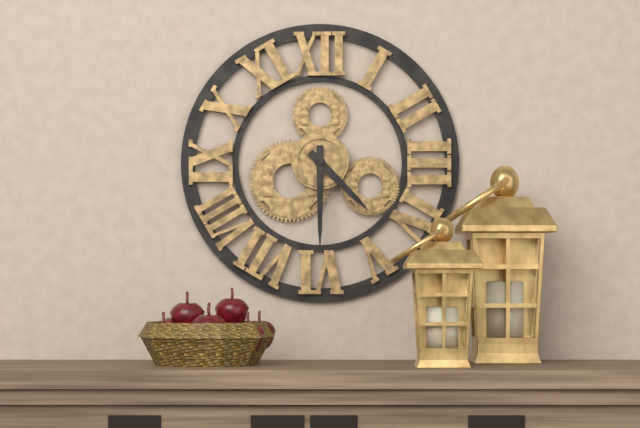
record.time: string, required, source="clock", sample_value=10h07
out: 4h30
